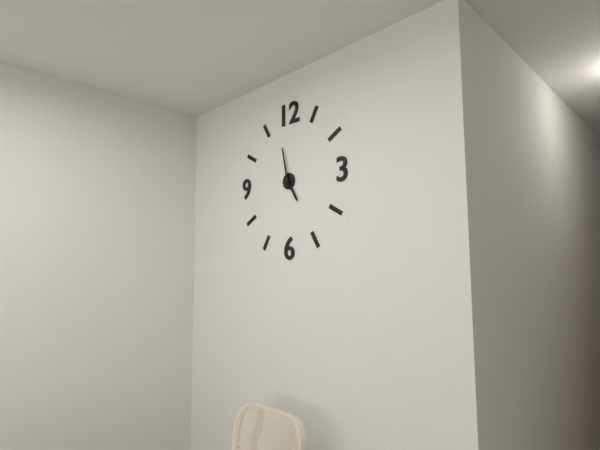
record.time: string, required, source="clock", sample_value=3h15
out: 4h58
